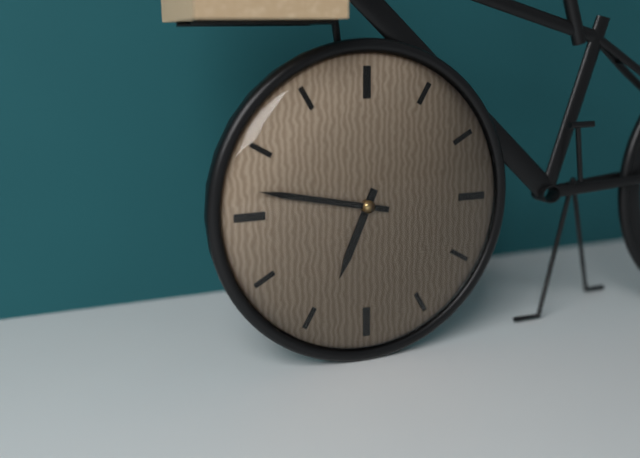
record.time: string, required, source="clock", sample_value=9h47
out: 6h47
